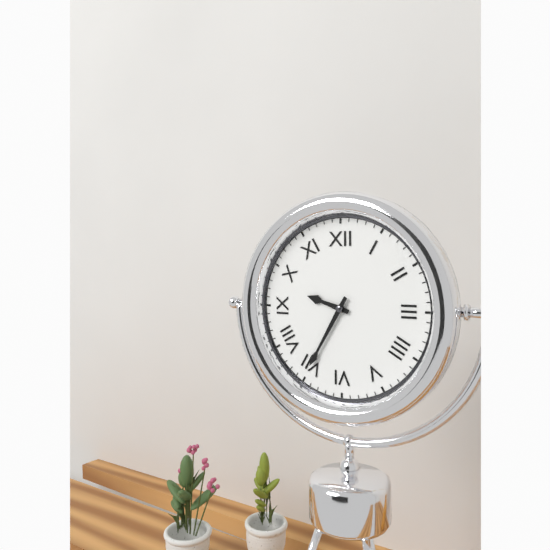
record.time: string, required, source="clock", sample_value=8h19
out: 9h35
